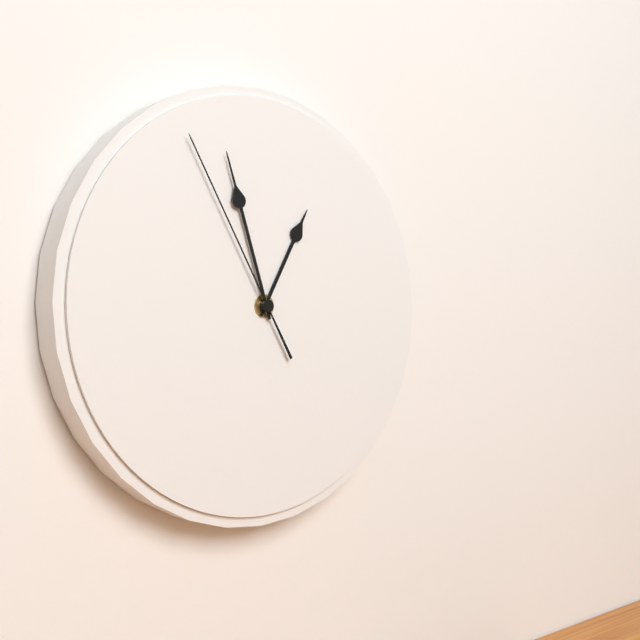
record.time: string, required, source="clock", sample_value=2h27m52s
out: 12h57m55s
